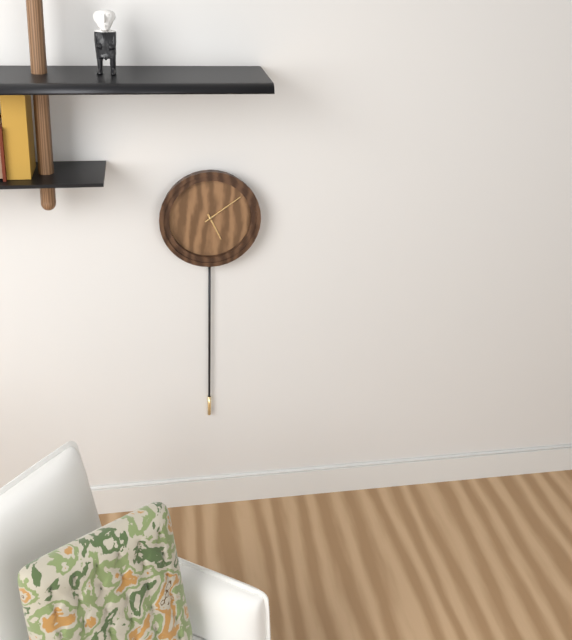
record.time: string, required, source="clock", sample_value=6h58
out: 5h09
